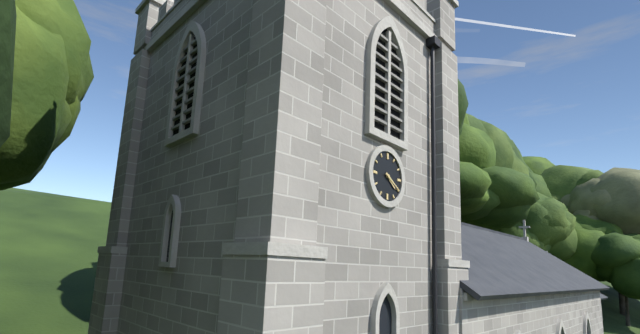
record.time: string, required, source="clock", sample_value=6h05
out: 4h20
